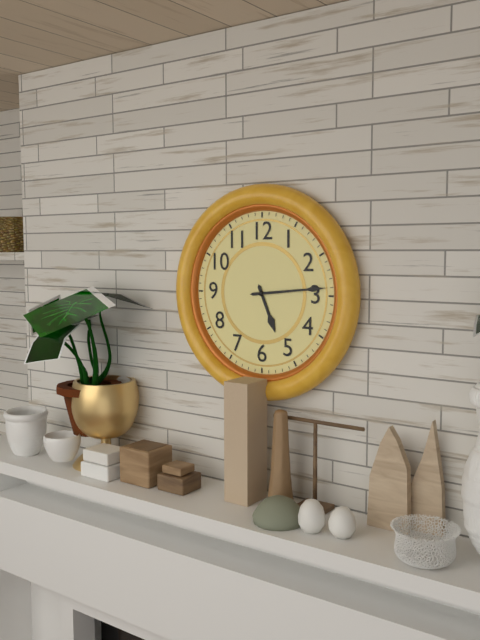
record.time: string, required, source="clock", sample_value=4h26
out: 5h14
